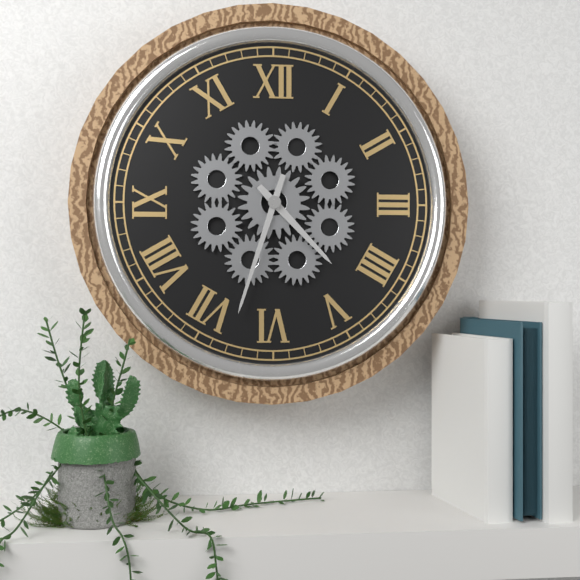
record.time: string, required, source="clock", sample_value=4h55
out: 4h33
